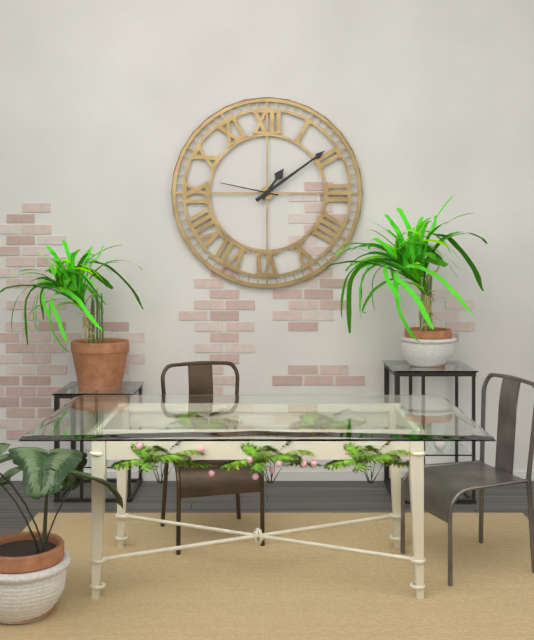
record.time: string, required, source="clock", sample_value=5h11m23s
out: 1h09m47s
